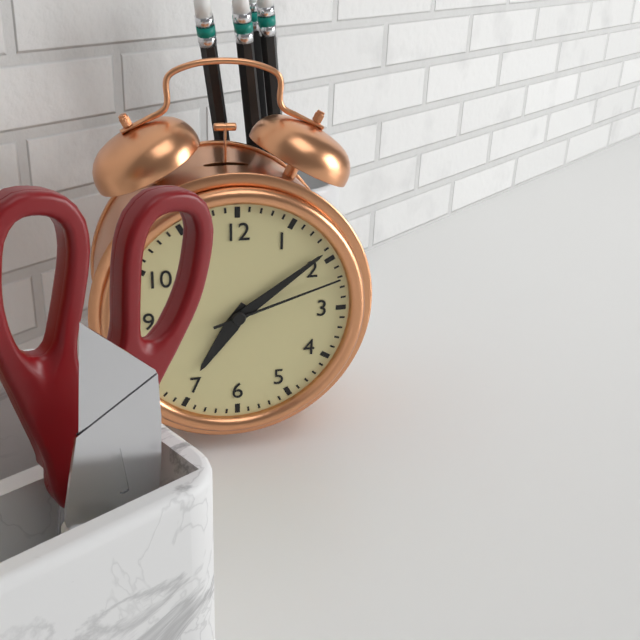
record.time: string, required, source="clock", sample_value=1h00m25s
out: 7h09m12s
